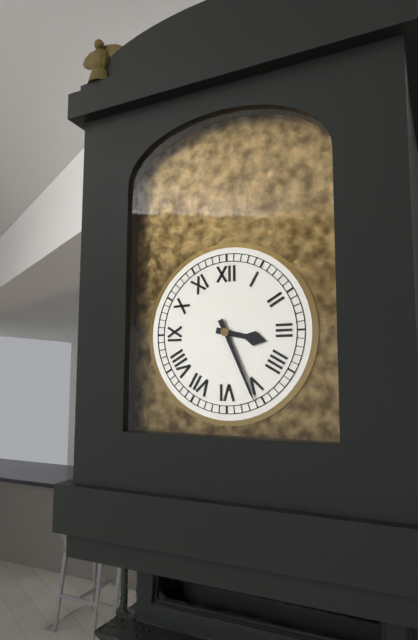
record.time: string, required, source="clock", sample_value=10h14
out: 3h26
